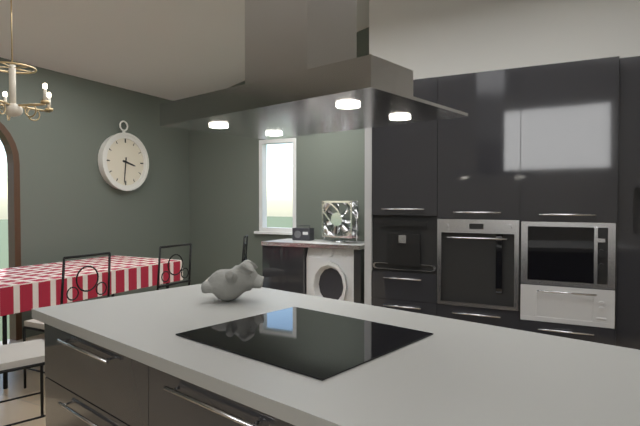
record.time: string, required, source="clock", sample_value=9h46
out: 3h31
